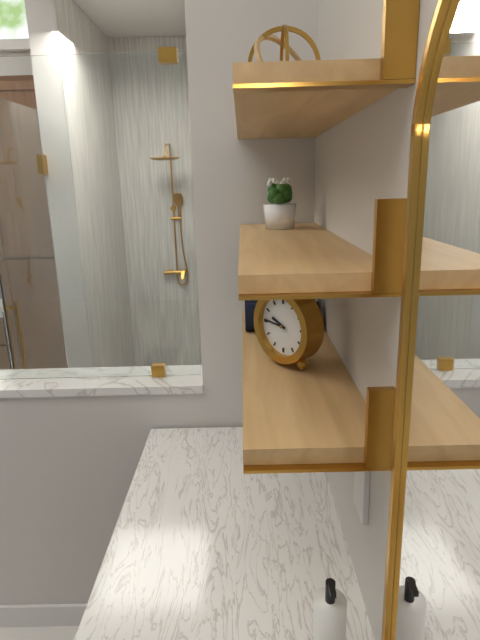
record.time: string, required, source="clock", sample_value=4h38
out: 9h46
